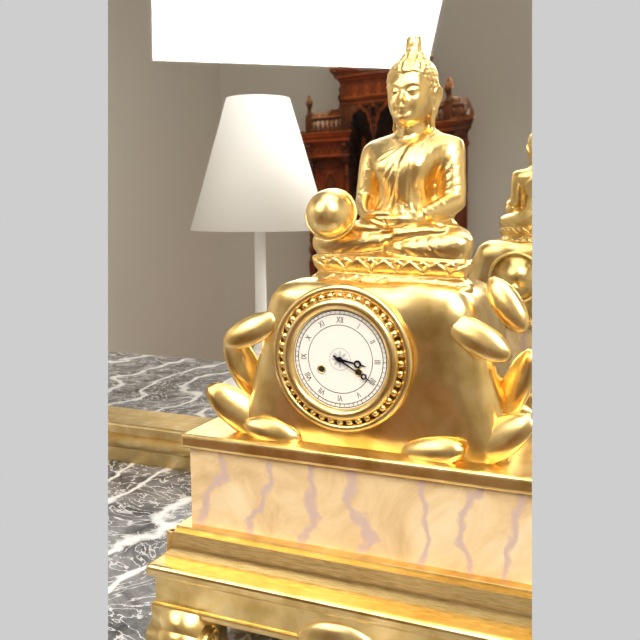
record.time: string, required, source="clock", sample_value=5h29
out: 3h20
